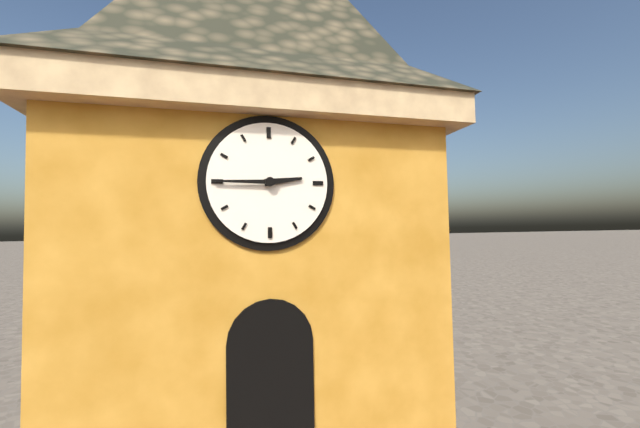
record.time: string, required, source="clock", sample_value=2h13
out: 2h45
